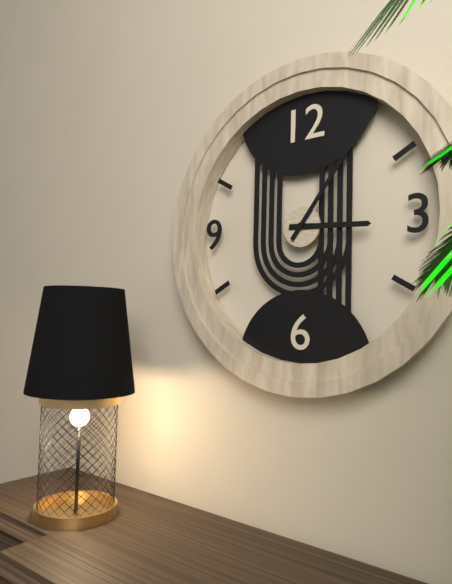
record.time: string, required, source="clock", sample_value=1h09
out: 3h06
